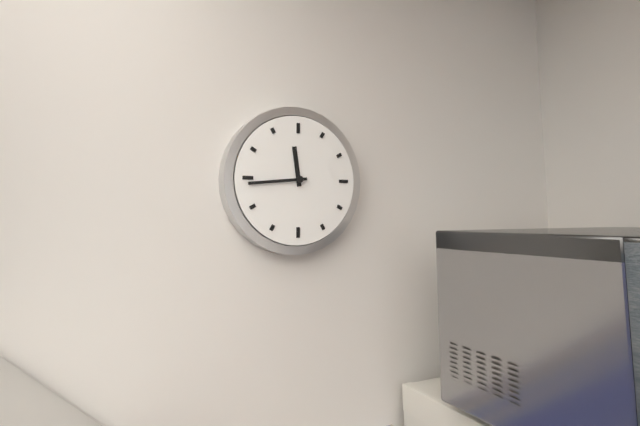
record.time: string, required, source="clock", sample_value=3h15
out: 11h44
